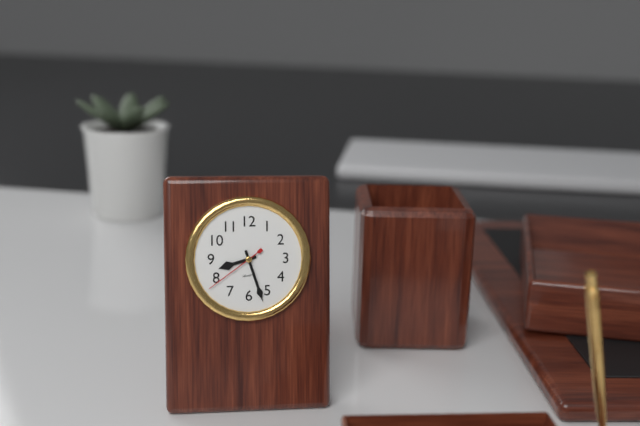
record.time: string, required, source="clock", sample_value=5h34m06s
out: 8h27m39s
